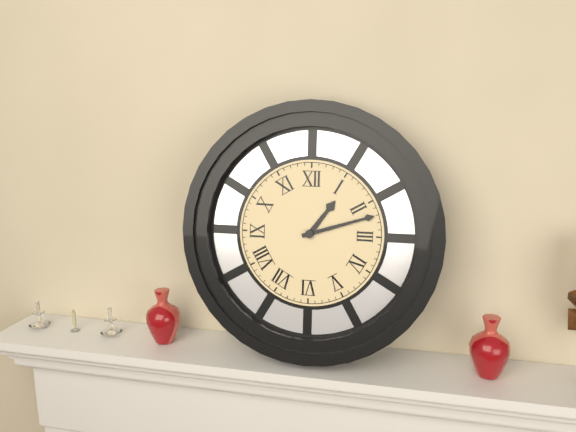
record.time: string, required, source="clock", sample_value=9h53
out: 1h12
